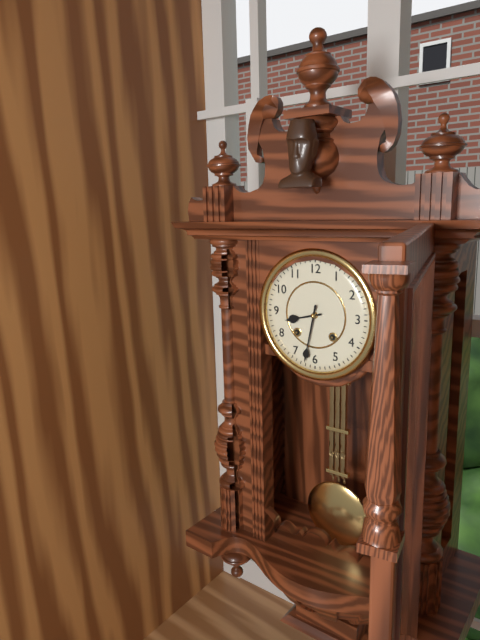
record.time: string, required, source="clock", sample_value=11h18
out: 8h32
